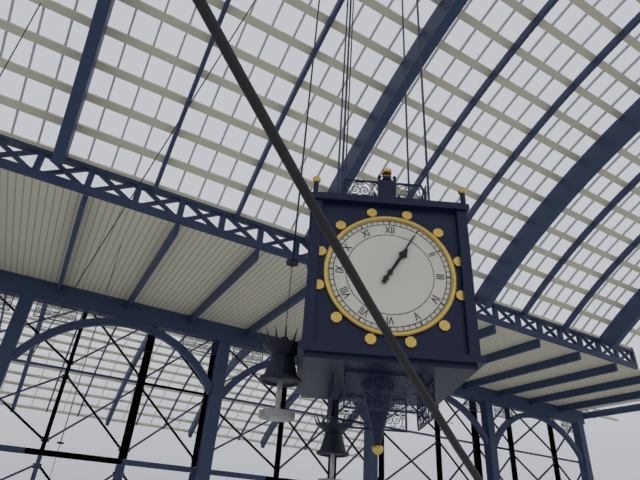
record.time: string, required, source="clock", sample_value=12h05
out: 1h05
